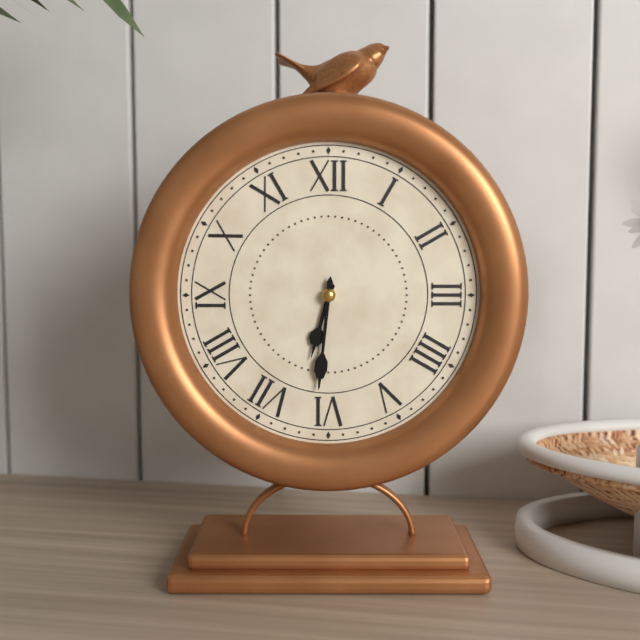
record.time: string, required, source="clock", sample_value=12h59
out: 6h31
